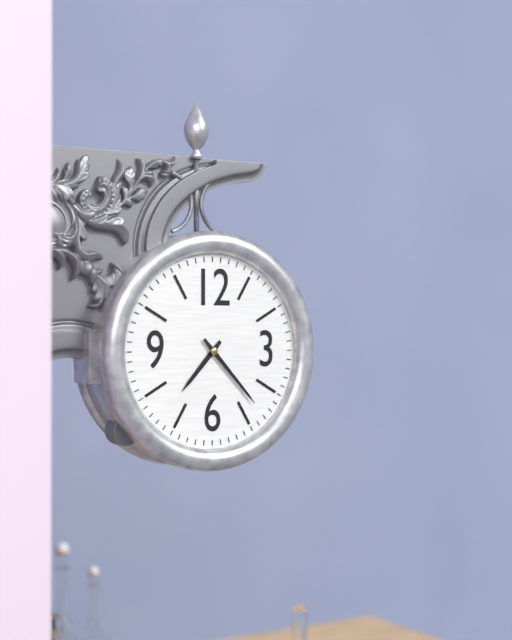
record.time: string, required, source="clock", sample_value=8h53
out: 7h23
